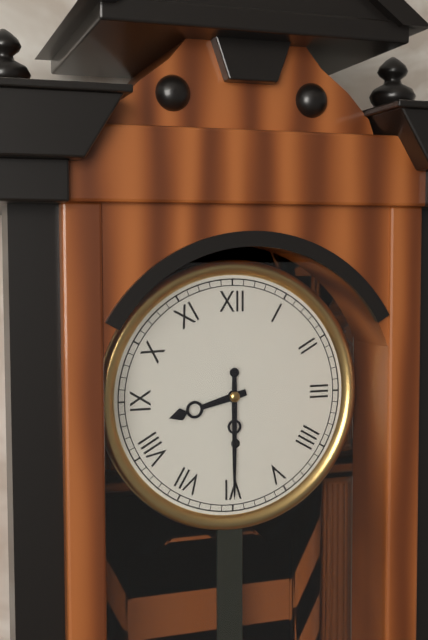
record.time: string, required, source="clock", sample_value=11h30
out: 8h30
